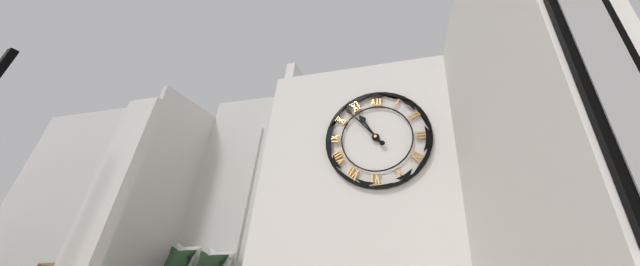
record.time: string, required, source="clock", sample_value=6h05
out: 10h53
